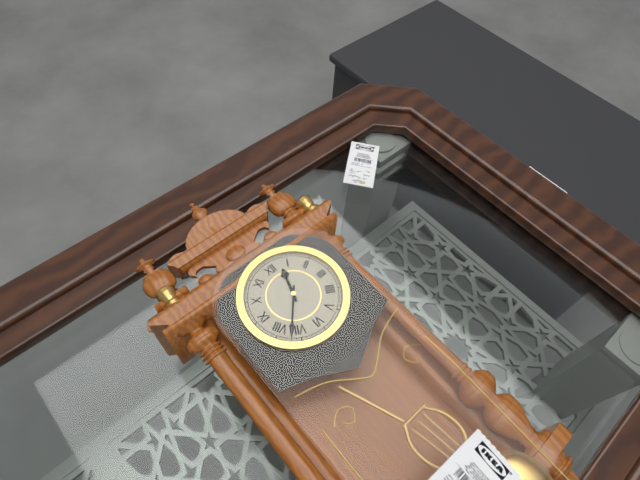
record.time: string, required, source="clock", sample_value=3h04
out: 12h37
